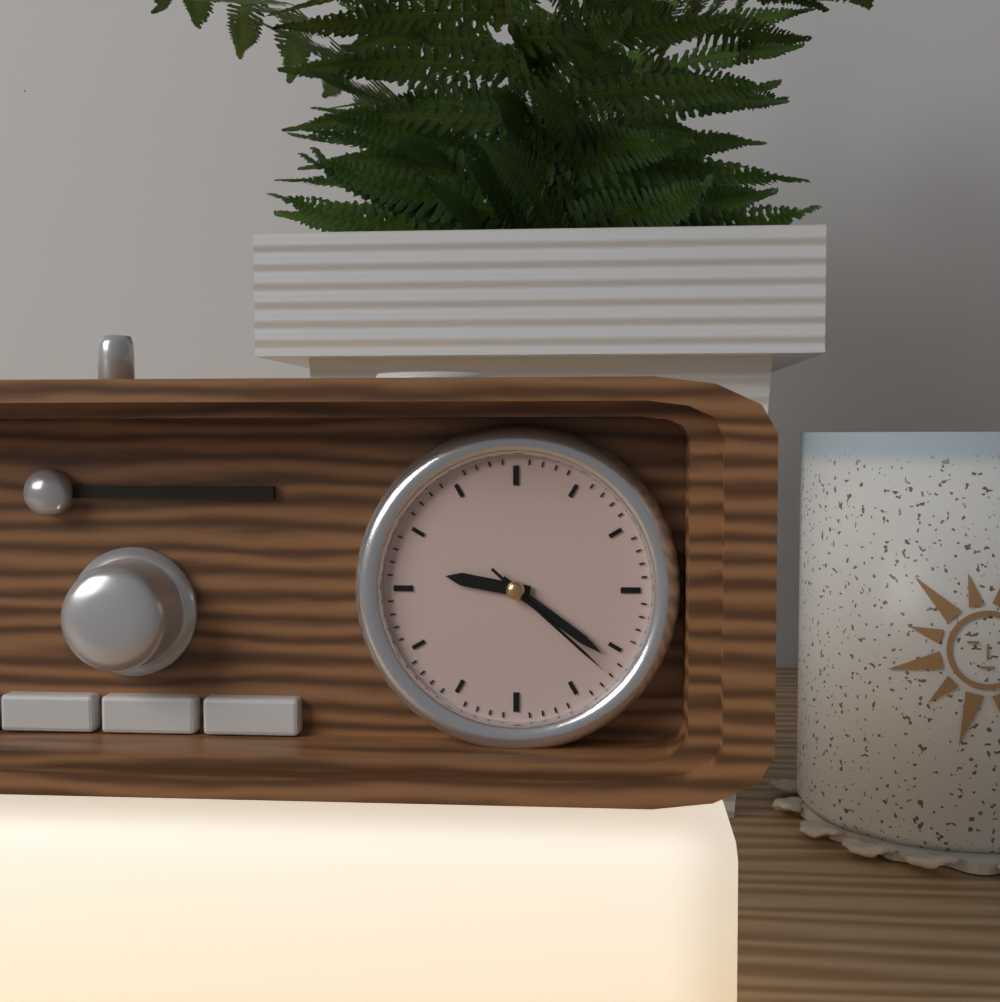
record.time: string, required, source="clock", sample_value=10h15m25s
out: 9h21m22s
